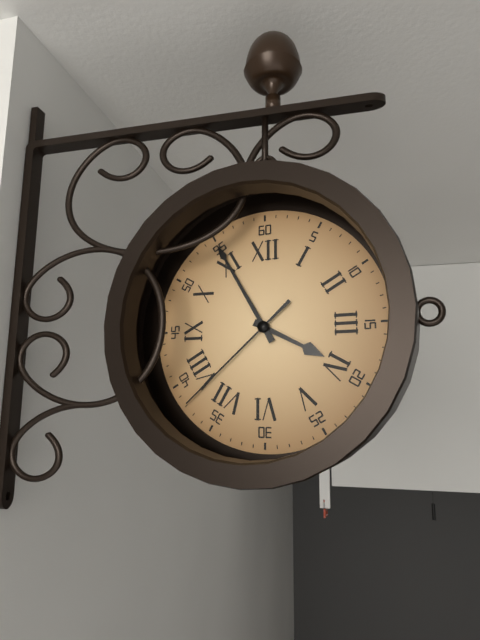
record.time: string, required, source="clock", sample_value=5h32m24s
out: 3h55m38s
